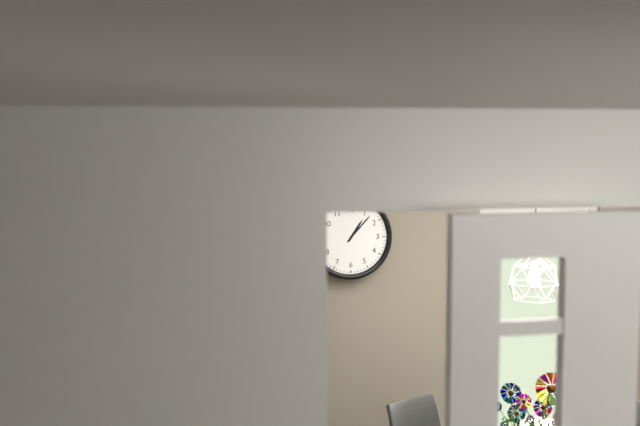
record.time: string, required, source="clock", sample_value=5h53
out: 1h07
